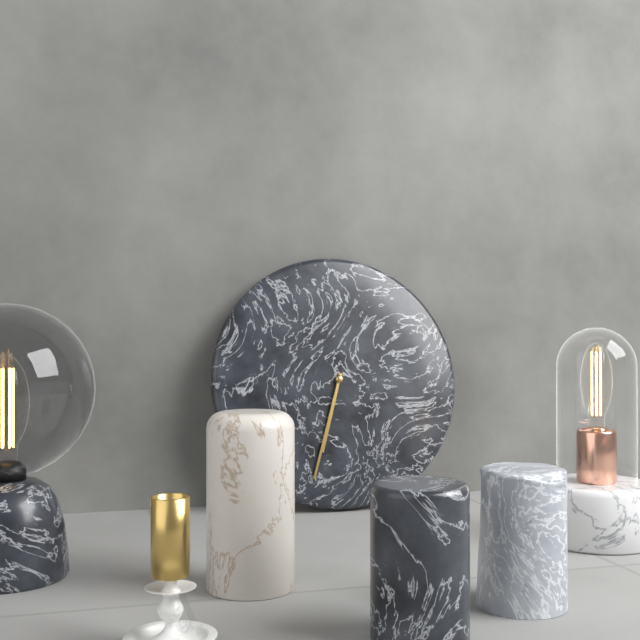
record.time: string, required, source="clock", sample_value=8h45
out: 6h33
